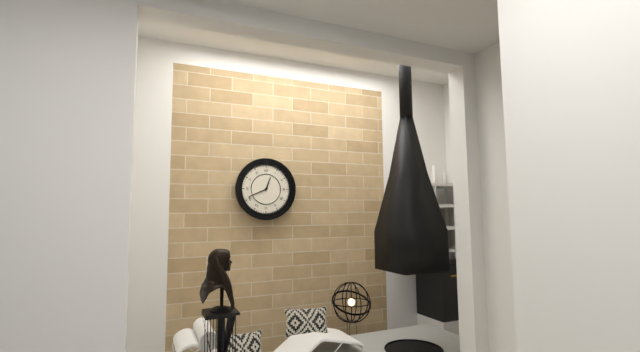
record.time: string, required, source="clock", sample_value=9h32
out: 12h41
